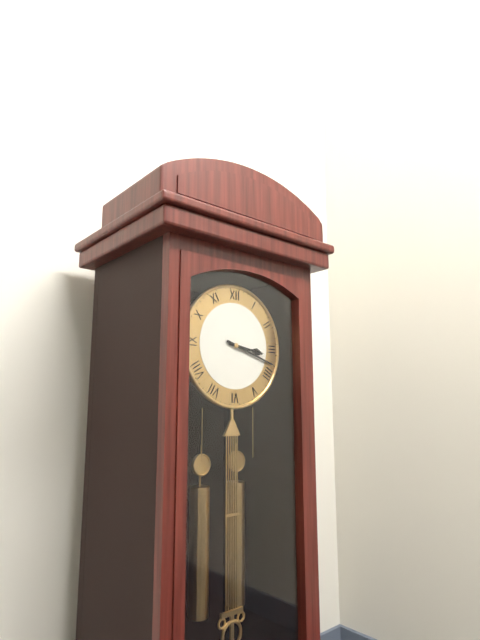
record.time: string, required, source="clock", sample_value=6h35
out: 3h18
